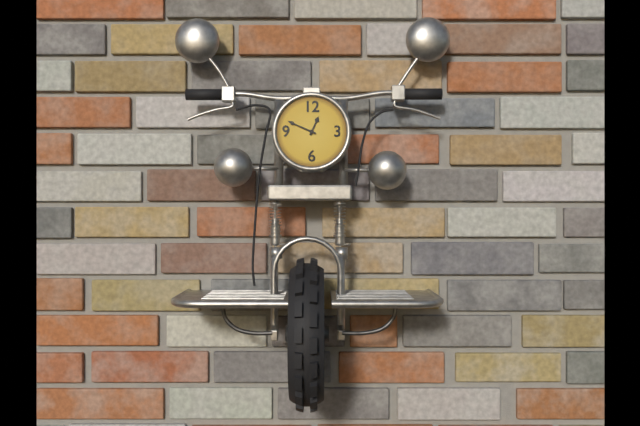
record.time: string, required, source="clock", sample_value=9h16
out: 12h49
